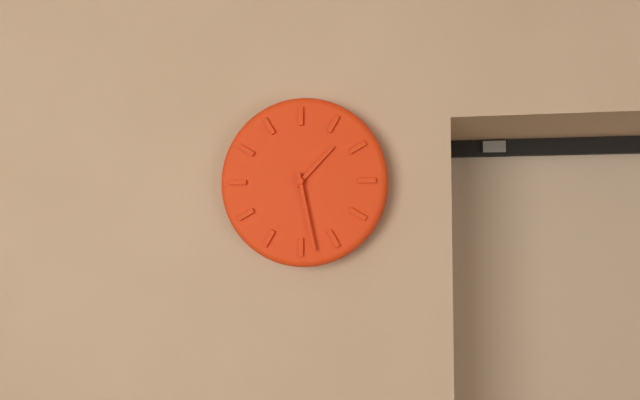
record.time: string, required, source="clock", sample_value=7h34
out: 1h28
